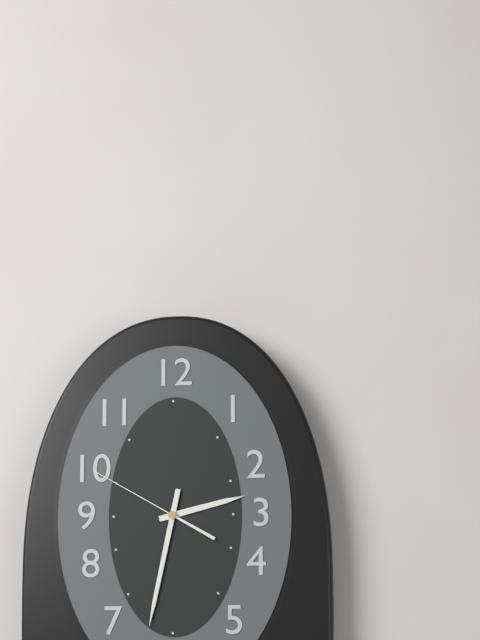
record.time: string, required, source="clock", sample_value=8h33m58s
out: 2h32m50s
